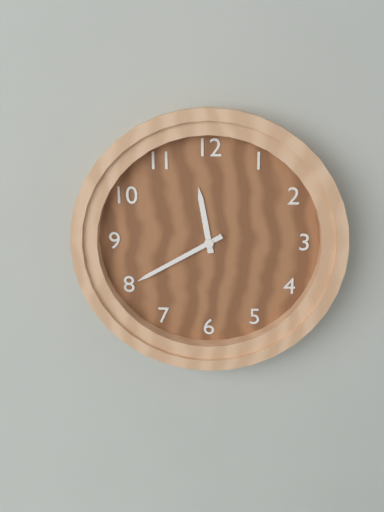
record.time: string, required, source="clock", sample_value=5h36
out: 11h40
